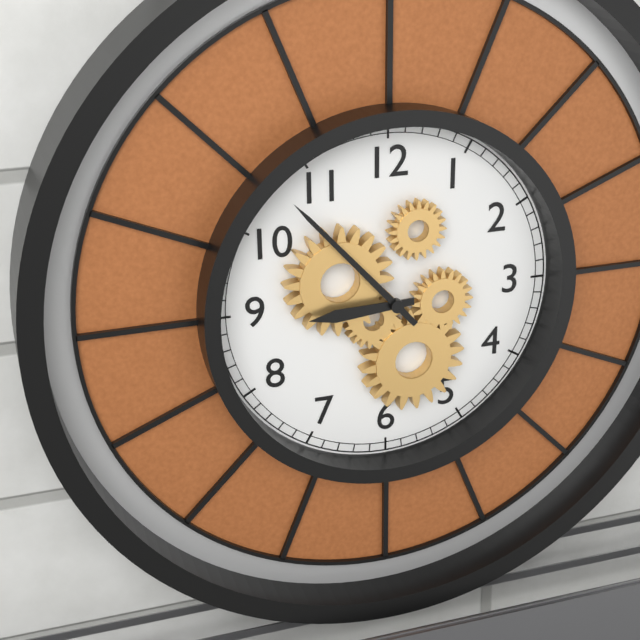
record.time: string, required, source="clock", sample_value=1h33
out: 8h53
